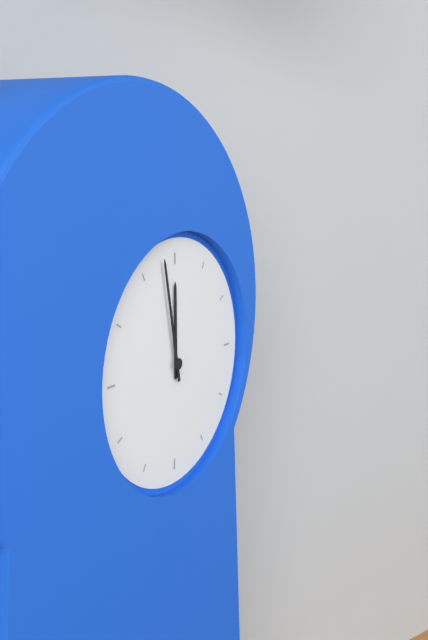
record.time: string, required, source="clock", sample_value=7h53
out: 11h58
